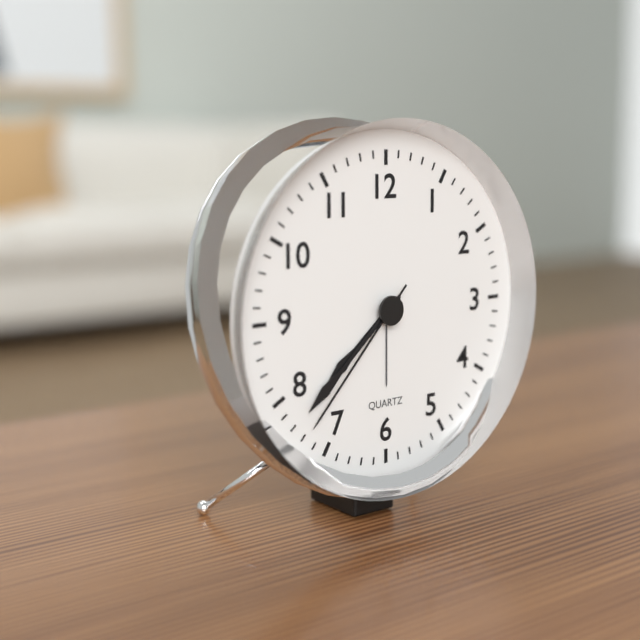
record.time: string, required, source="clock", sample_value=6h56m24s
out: 7h38m37s
